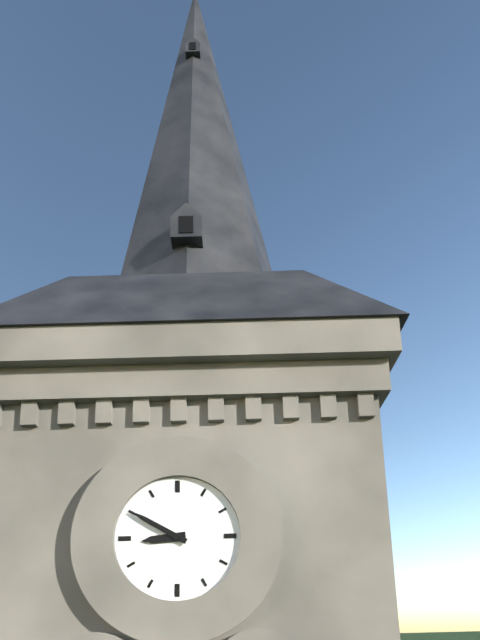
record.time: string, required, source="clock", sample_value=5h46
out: 8h50
